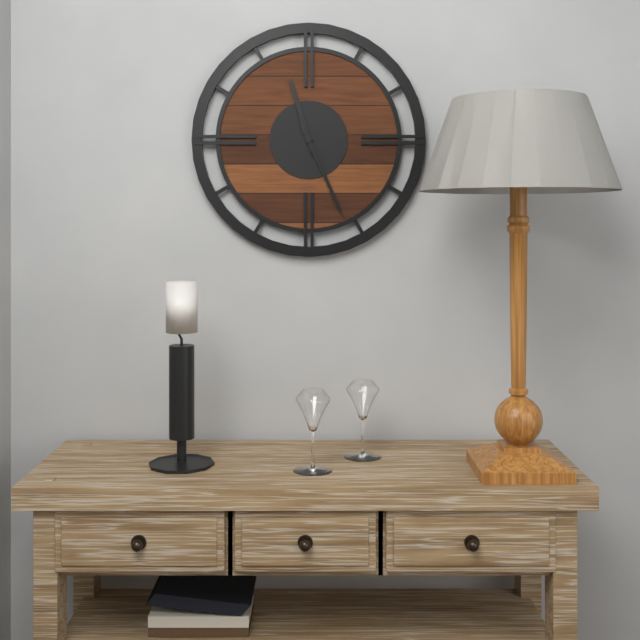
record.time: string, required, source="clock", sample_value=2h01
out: 11h26
